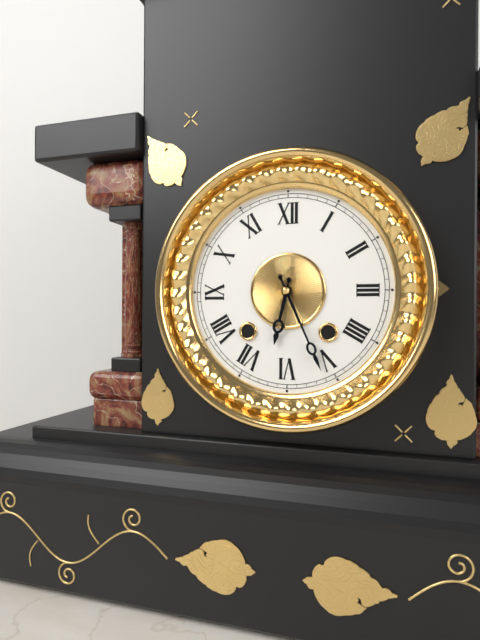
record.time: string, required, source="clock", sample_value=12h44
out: 6h26
